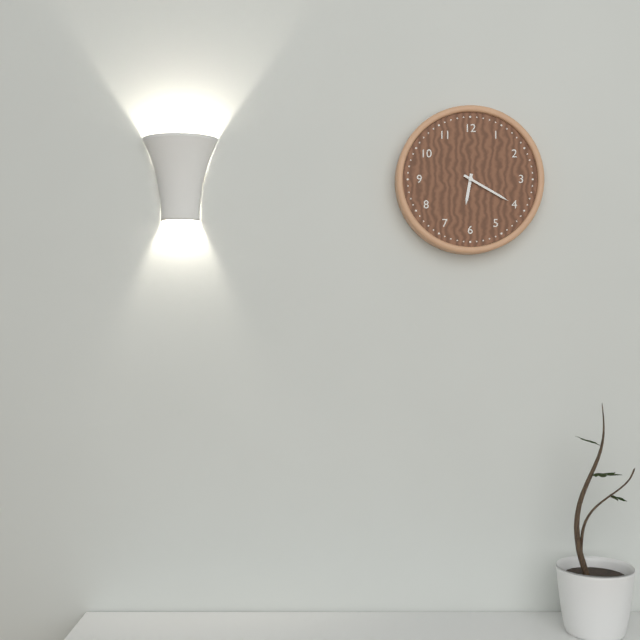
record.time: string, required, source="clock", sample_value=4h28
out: 6h20
